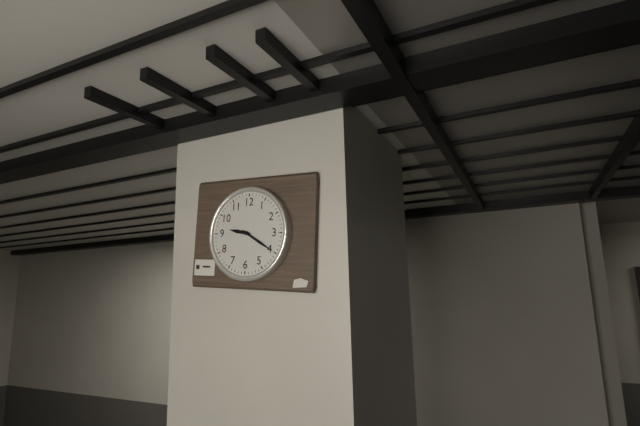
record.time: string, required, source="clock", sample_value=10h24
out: 9h20
